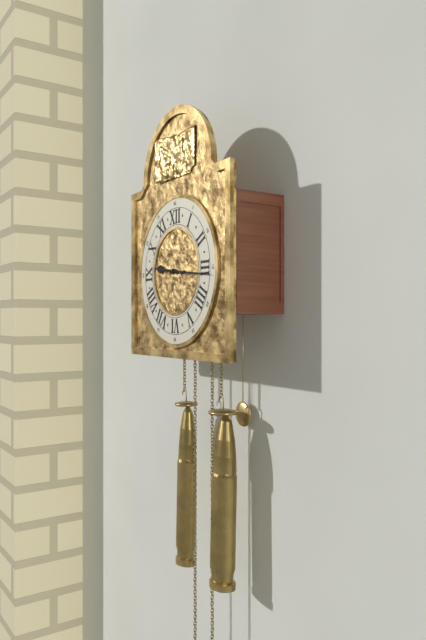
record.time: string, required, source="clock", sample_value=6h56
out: 9h16
